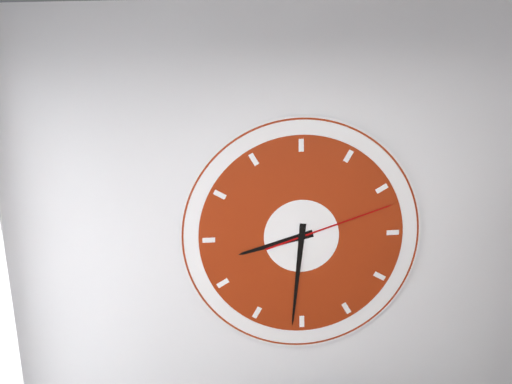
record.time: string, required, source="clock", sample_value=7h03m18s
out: 8h31m12s
